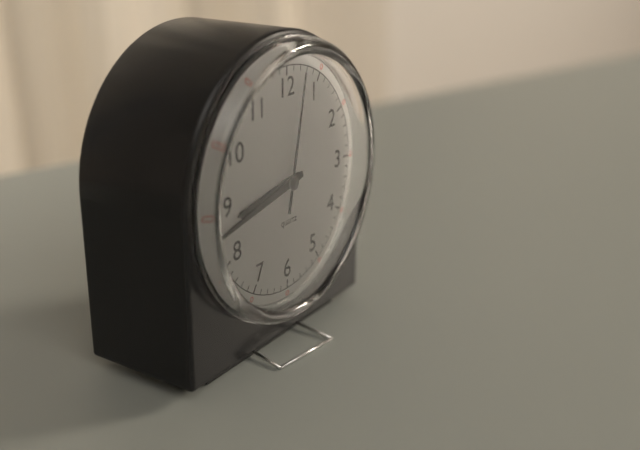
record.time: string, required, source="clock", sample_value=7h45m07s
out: 8h43m02s
